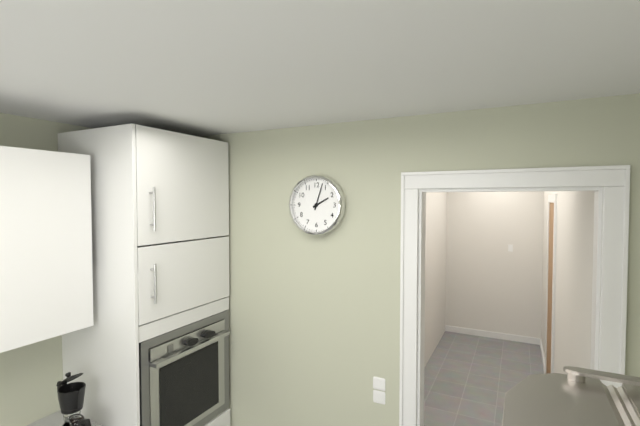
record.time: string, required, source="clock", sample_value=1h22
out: 2h03
